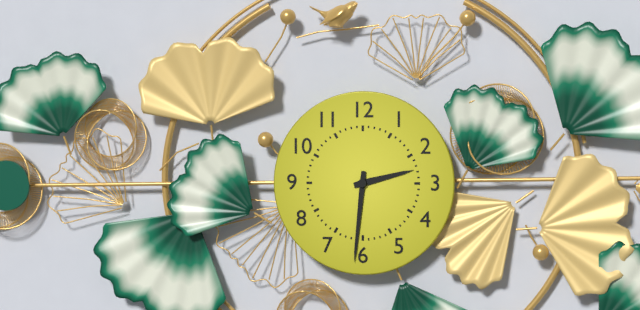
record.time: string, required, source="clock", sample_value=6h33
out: 2h31
